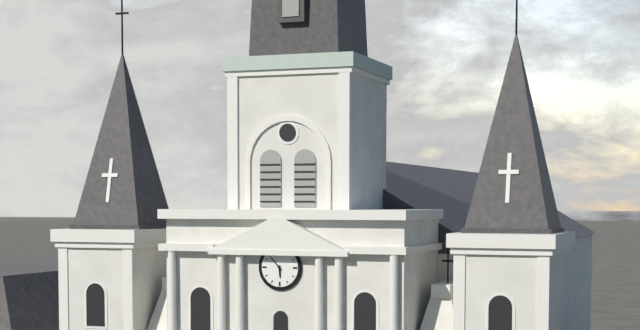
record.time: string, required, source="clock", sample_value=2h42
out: 5h53
